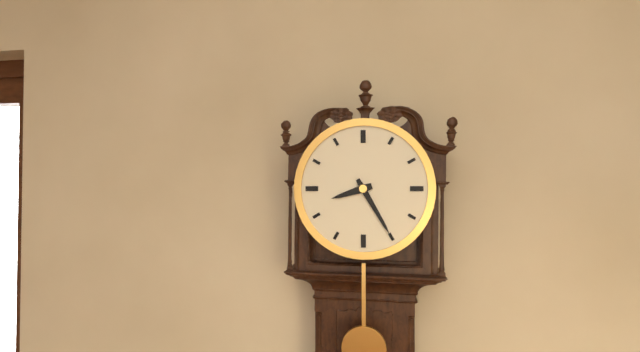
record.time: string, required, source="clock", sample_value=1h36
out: 8h25
